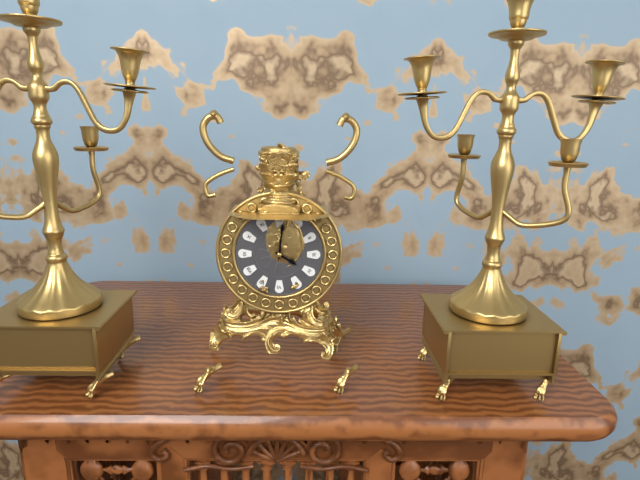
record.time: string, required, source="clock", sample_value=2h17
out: 4h01
